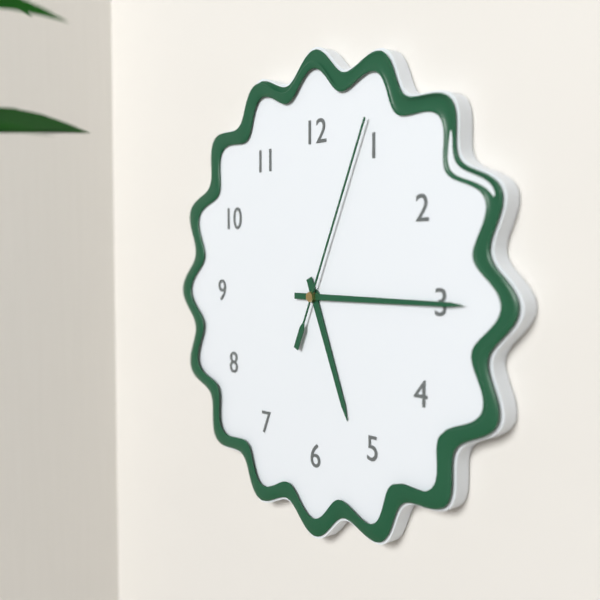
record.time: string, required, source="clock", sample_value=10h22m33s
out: 5h15m04s
